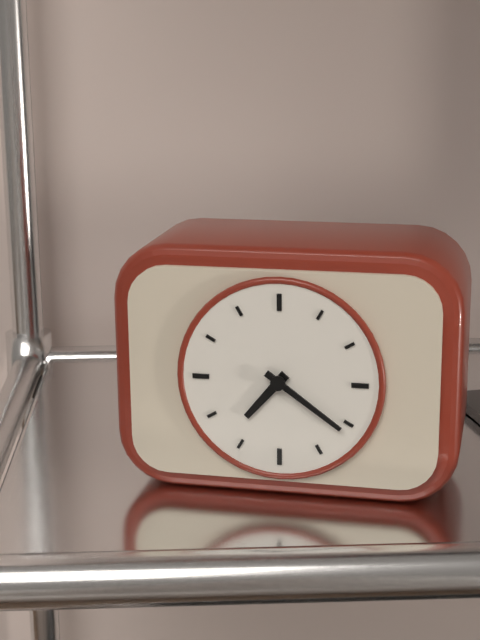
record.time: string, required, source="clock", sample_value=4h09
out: 7h21
